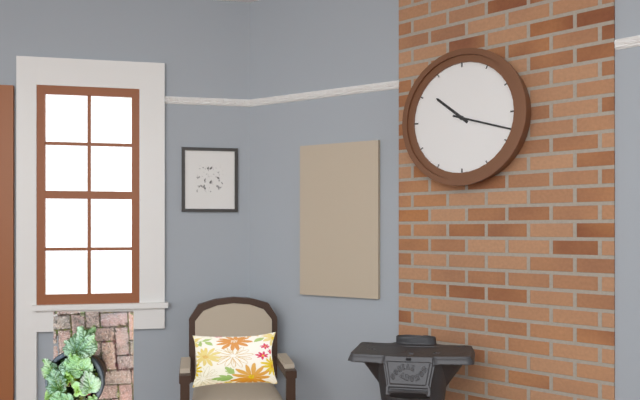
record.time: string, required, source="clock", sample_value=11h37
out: 10h18
